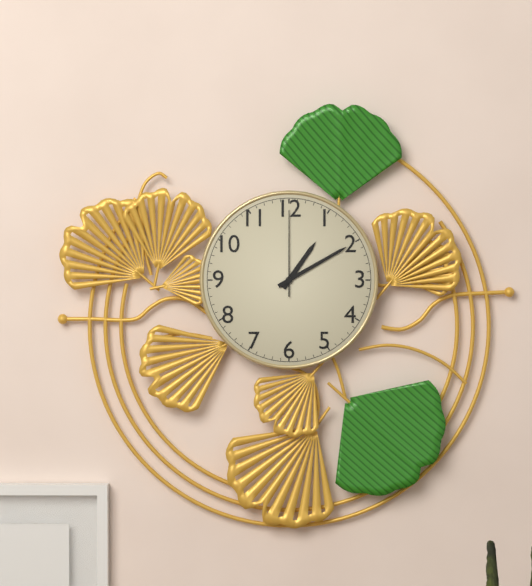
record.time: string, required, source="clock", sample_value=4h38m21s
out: 1h10m00s
